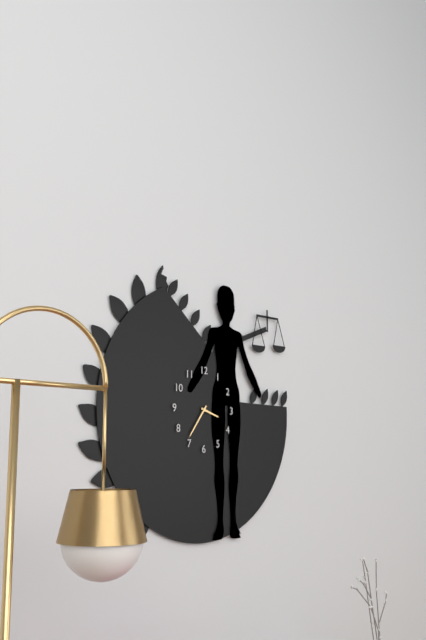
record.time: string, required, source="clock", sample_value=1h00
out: 3h36
